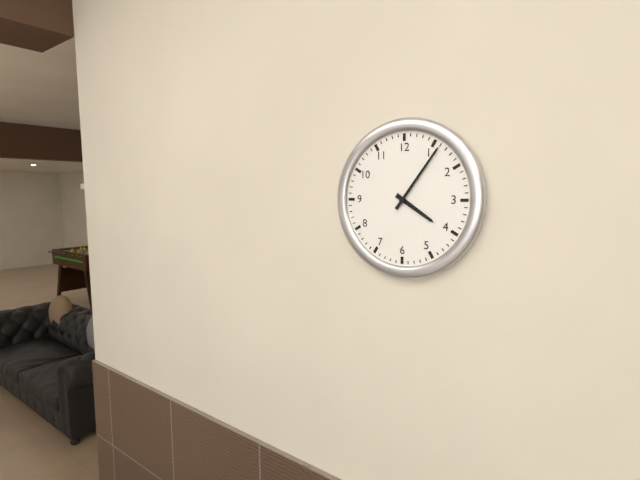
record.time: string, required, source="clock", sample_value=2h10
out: 4h06
